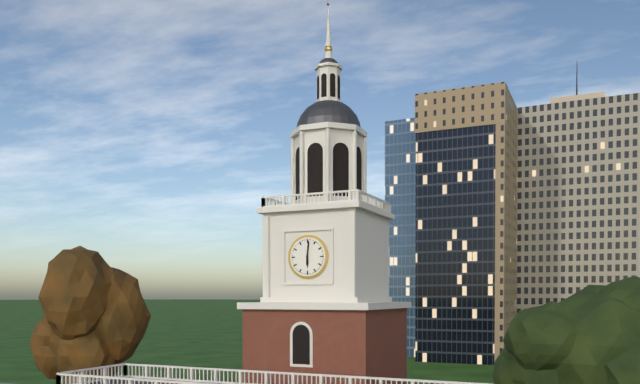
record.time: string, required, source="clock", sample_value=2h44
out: 6h01
